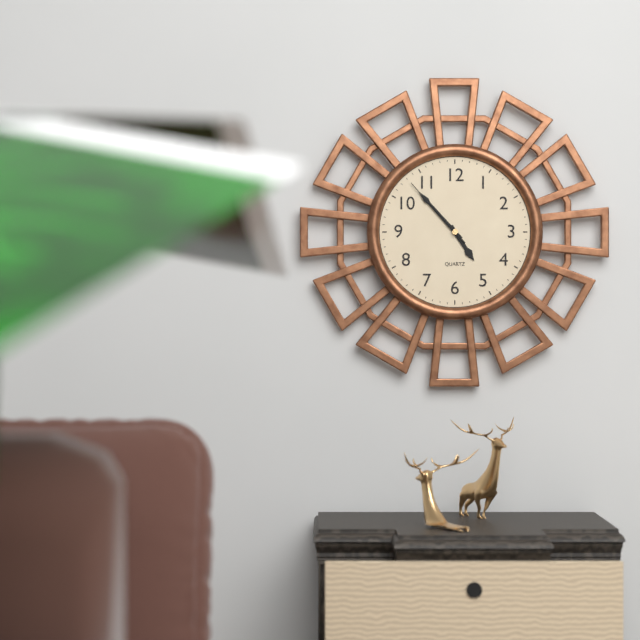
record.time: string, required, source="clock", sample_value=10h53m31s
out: 4h53m53s
